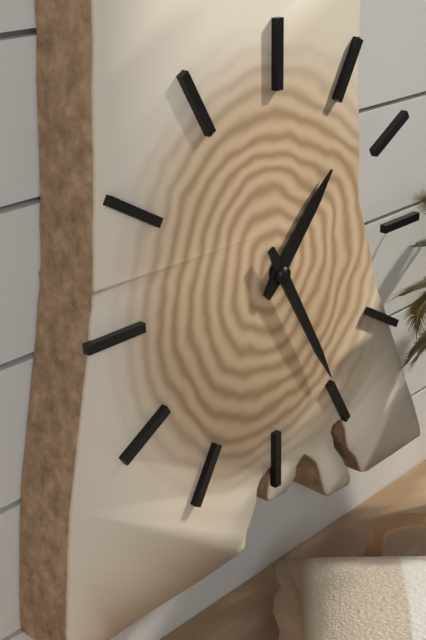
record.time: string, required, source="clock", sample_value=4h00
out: 1h25
